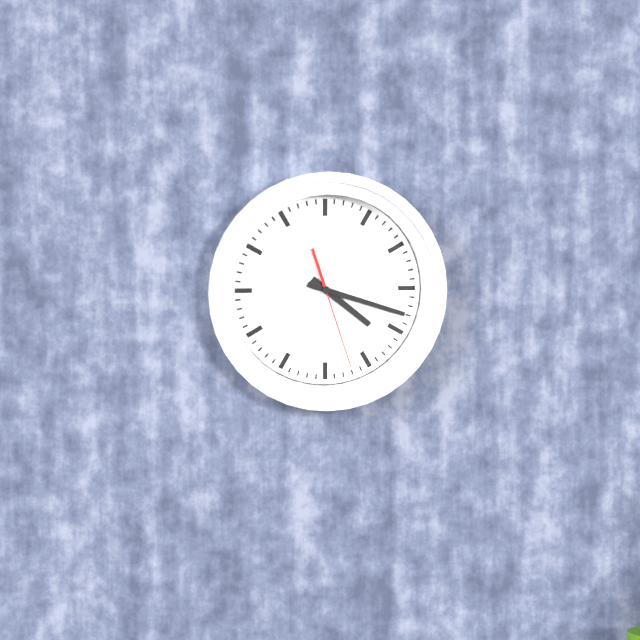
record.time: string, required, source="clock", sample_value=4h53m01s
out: 4h18m27s
